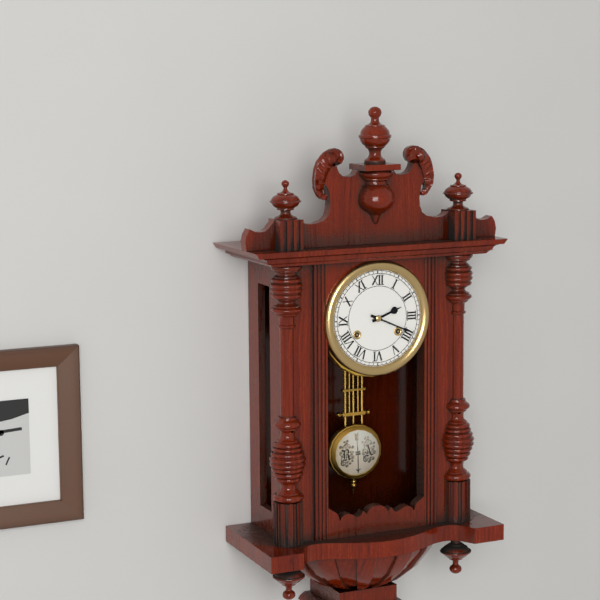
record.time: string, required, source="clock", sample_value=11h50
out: 2h19
